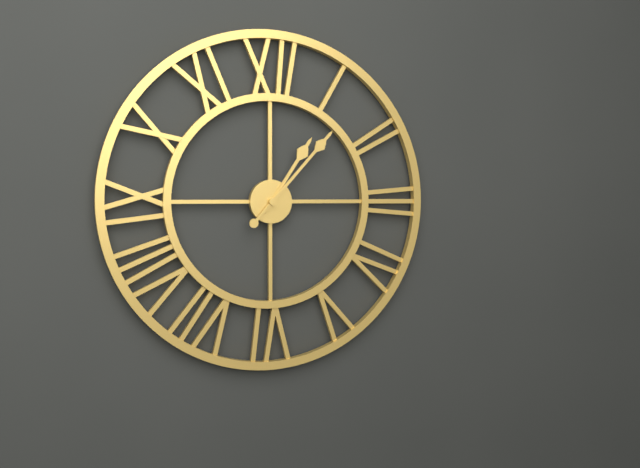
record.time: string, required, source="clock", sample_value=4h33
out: 1h07
